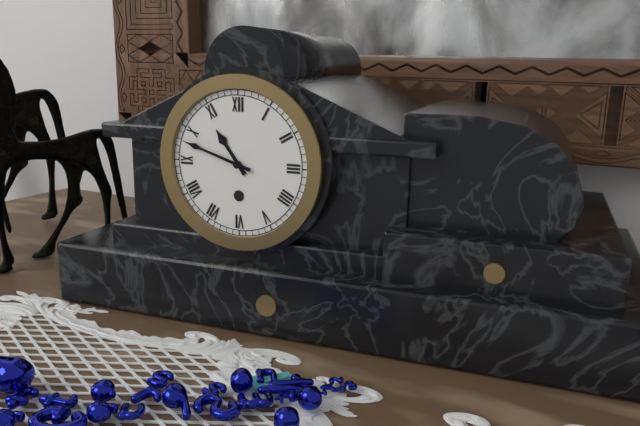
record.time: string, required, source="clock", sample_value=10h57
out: 10h48
